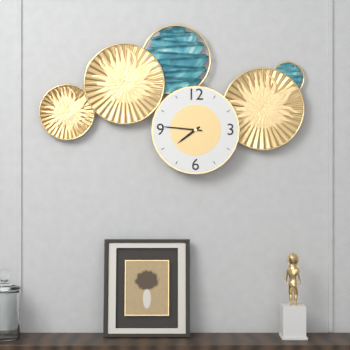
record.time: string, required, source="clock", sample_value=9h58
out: 7h46
